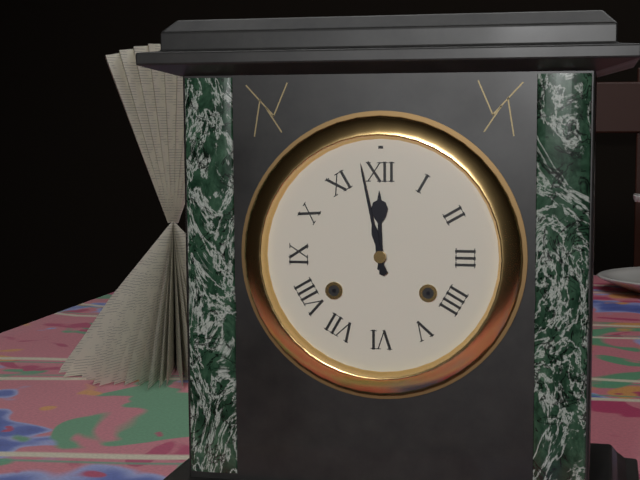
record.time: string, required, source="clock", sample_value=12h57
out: 11h58
